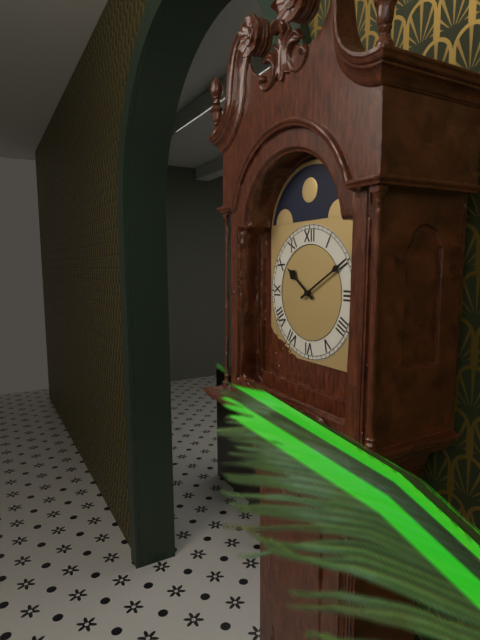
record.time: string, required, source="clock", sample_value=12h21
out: 10h10
